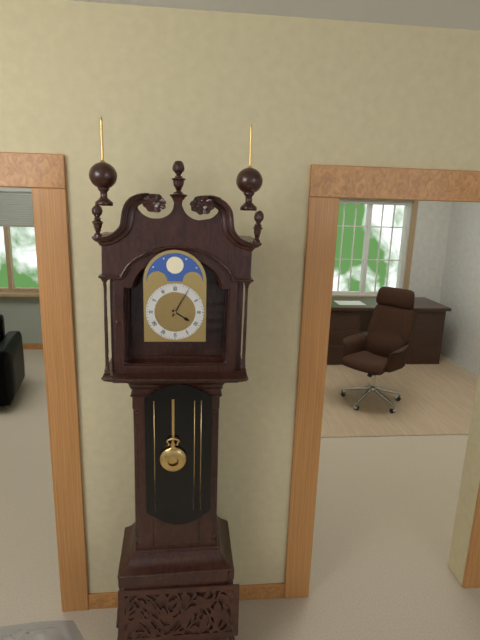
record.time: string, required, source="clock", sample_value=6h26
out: 4h05
